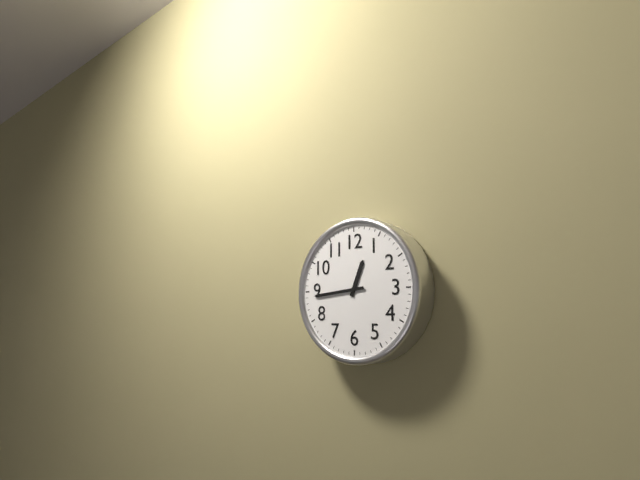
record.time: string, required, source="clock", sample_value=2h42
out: 12h44
